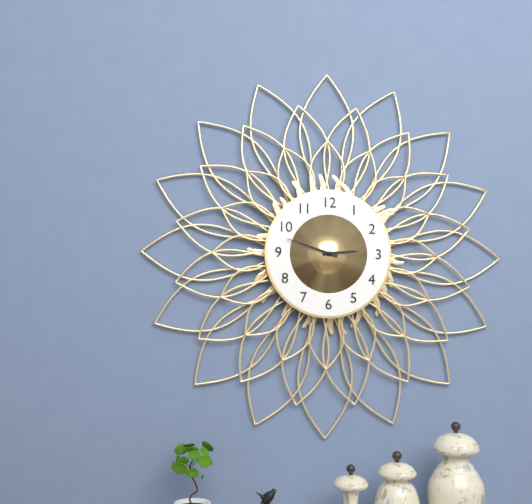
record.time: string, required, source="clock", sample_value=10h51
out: 2h48
